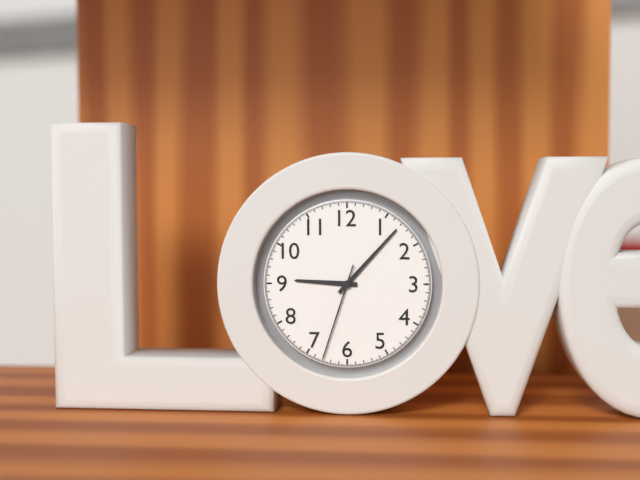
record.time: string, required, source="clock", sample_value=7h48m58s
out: 9h07m33s
